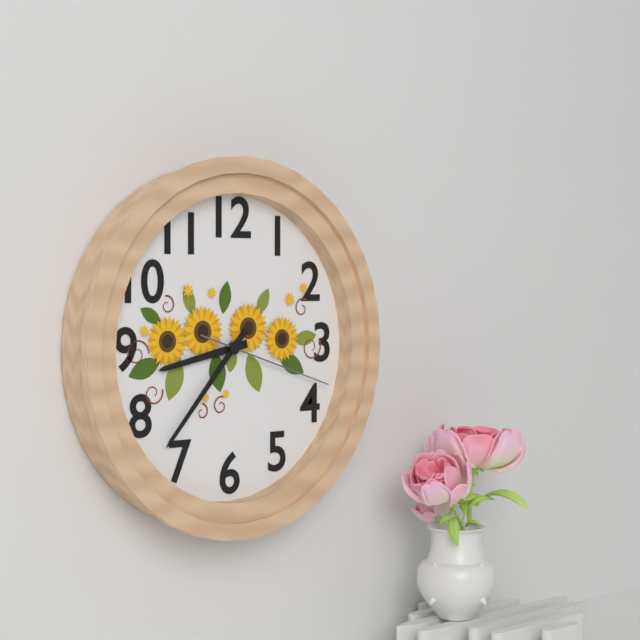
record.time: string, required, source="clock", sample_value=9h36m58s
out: 8h37m18s
